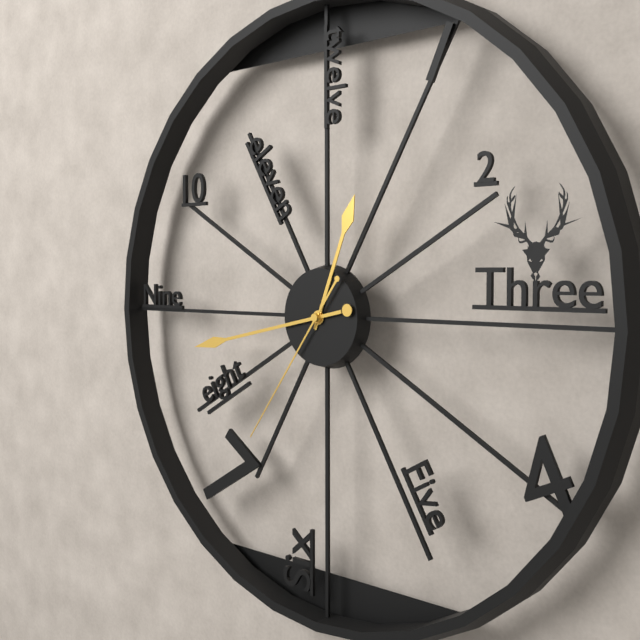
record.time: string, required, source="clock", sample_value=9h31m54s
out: 12h43m36s
